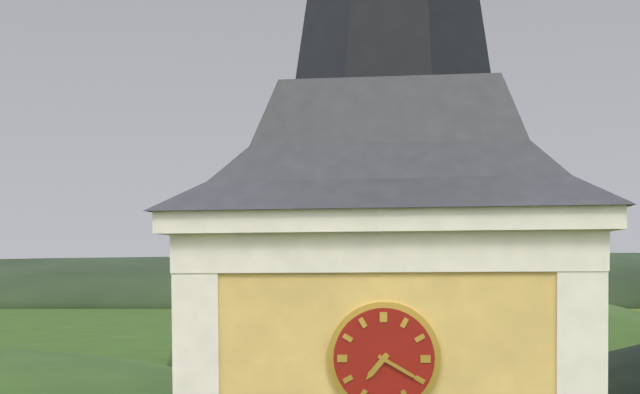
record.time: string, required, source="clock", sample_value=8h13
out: 7h20
